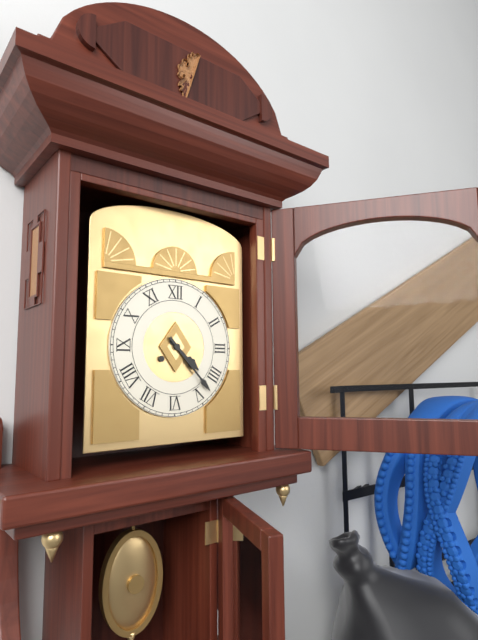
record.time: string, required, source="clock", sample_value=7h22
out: 4h23
